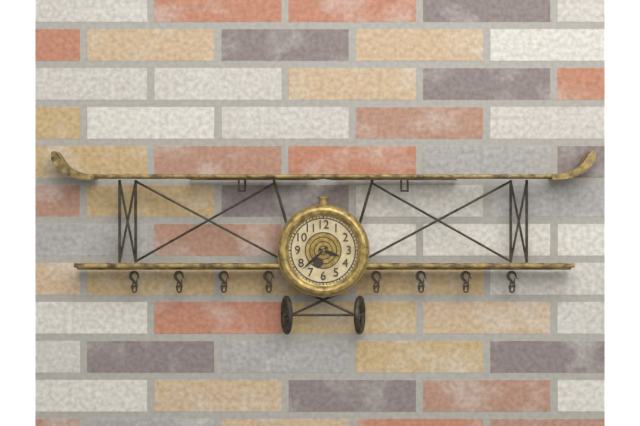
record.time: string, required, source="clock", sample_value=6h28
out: 3h38
